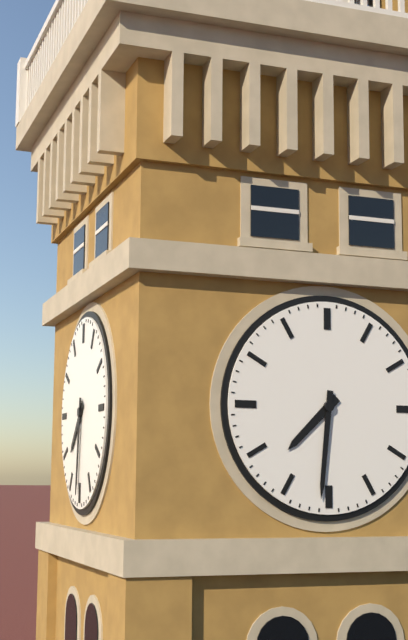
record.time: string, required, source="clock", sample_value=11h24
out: 7h31
